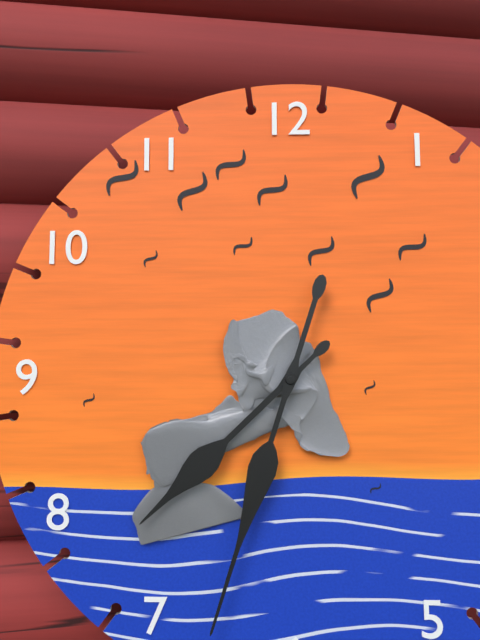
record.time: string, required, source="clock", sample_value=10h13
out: 7h33
